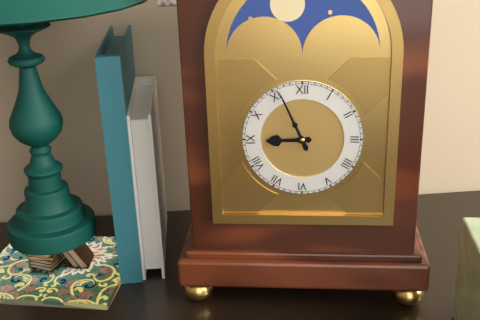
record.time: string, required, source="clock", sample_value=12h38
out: 8h56
